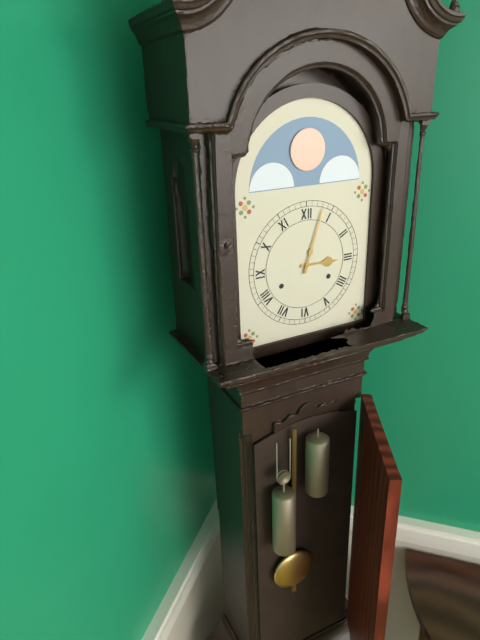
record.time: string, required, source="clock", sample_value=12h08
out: 3h03
